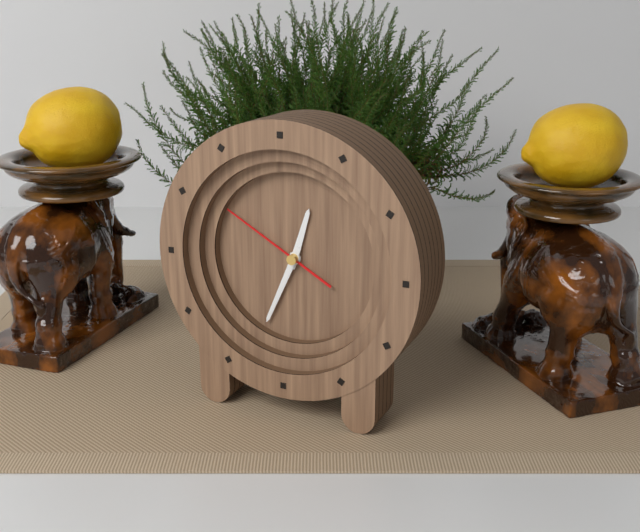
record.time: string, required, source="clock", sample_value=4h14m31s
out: 12h34m50s
